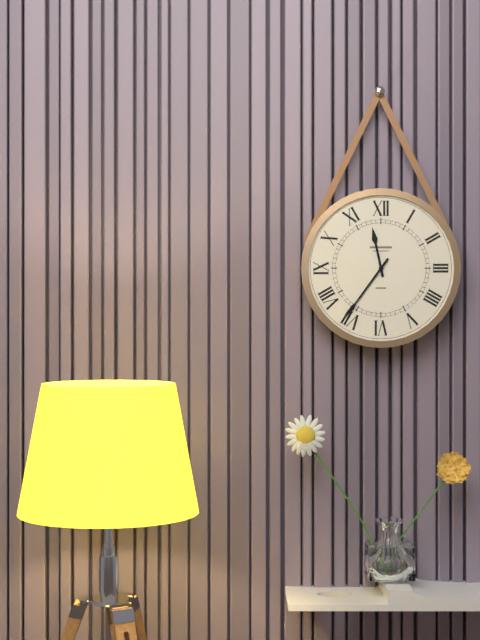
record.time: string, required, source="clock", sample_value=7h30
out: 11h36
